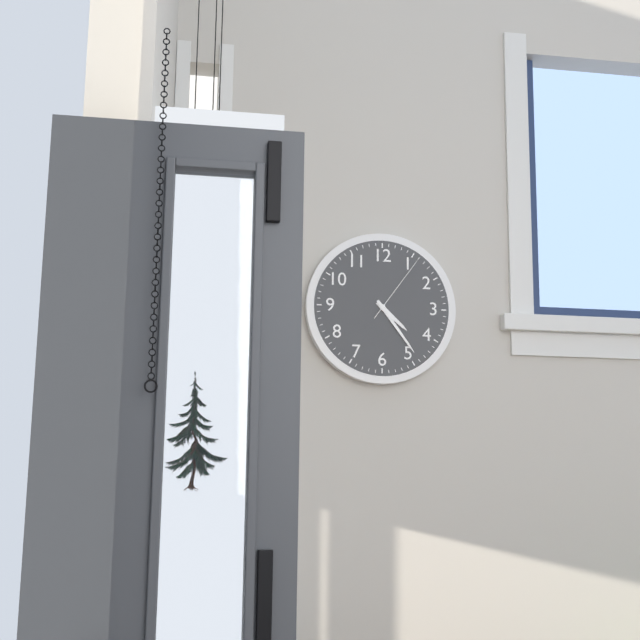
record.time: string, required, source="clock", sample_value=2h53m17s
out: 4h24m06s
